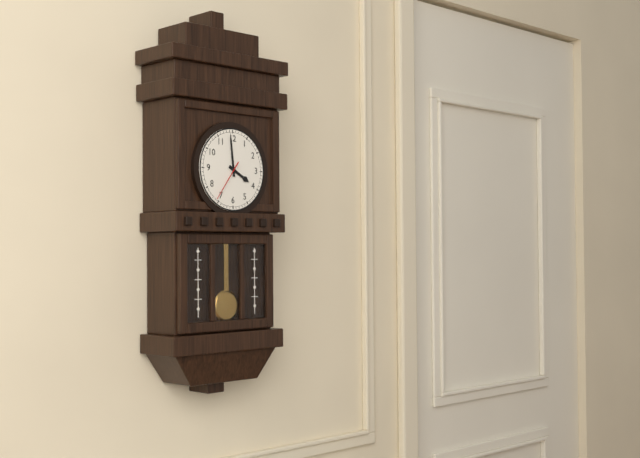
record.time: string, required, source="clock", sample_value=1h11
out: 3h59
